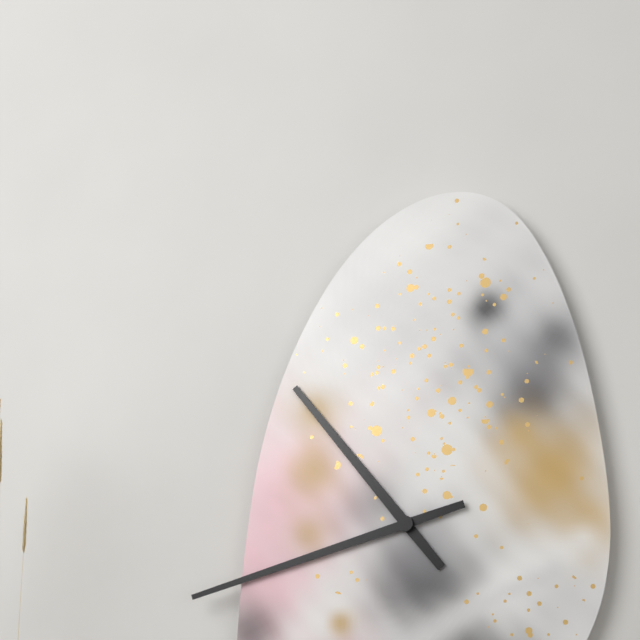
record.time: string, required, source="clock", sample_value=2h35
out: 10h42
